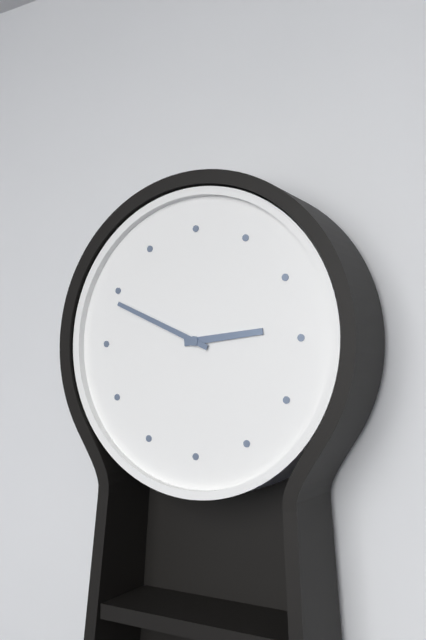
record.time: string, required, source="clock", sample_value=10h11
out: 2h49
